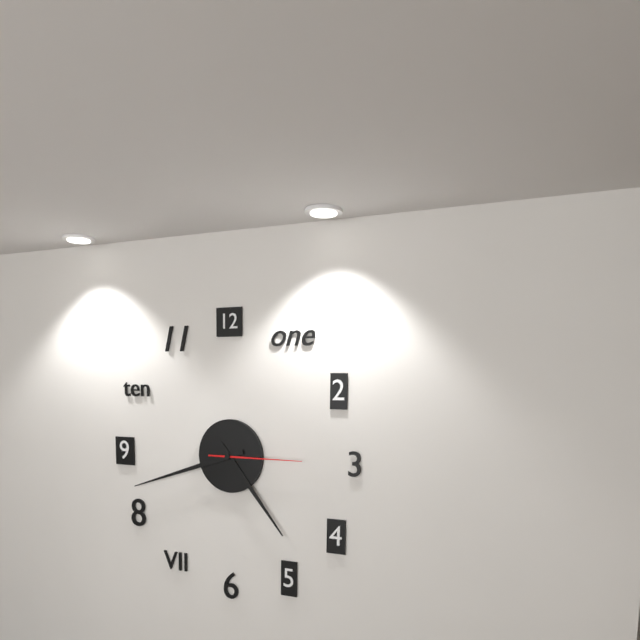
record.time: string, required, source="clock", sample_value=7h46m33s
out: 4h42m15s
